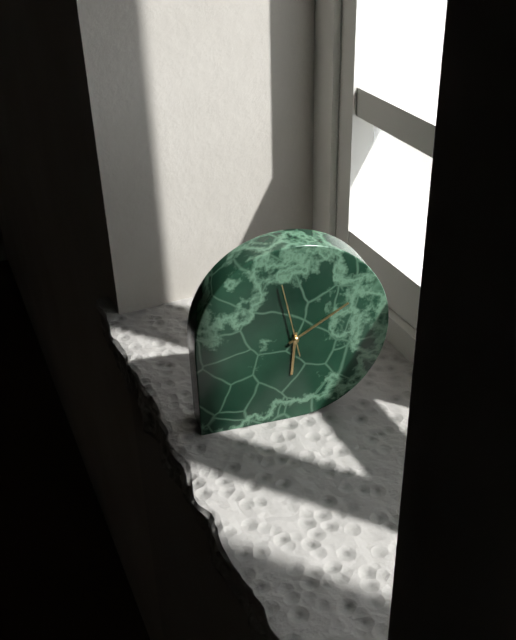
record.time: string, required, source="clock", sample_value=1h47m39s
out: 6h10m58s
